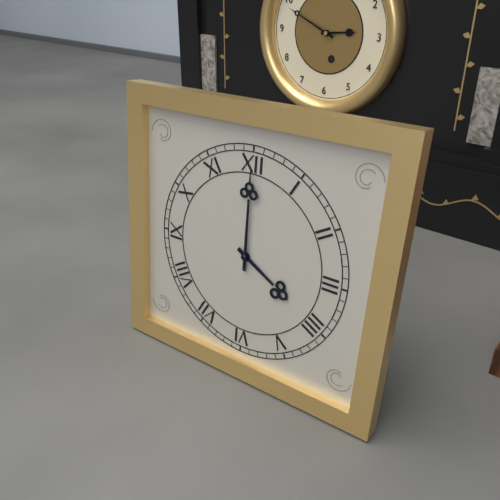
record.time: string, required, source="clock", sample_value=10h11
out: 4h00
